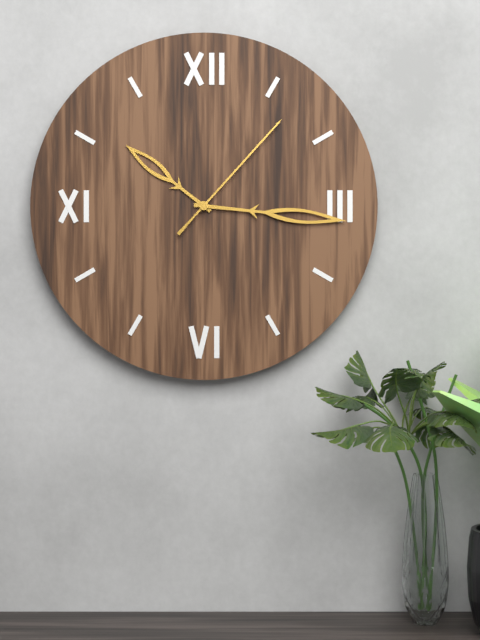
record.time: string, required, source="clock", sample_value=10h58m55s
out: 10h16m07s
